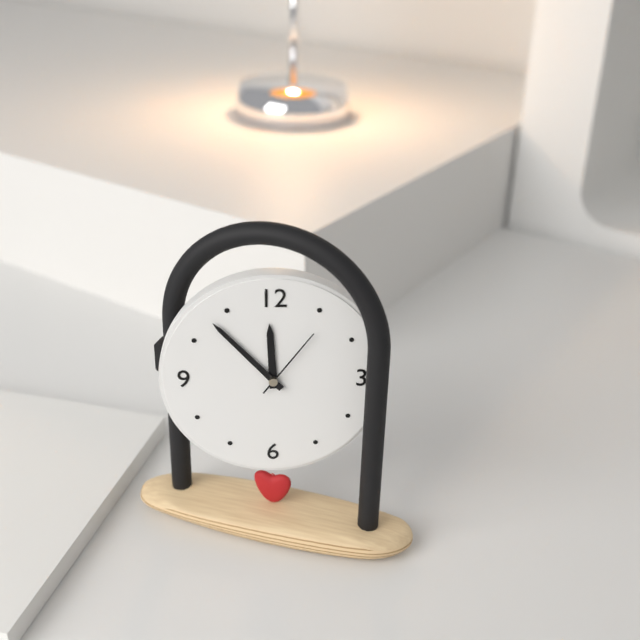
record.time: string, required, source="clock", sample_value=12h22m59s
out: 11h53m06s
